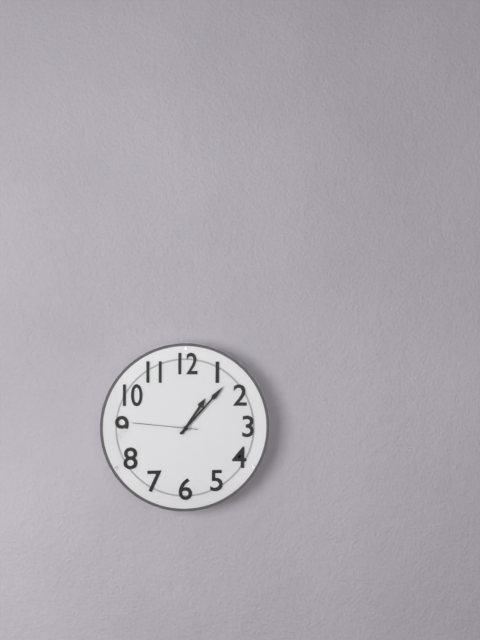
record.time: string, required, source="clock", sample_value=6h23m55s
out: 1h07m46s
